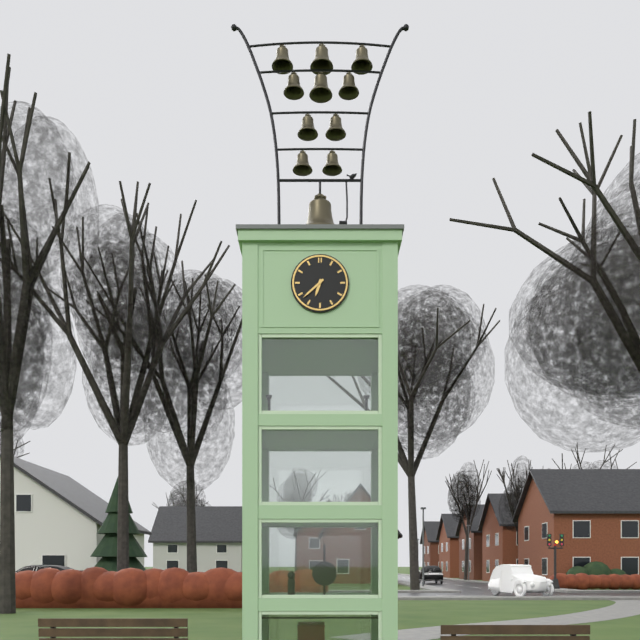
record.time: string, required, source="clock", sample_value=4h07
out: 6h38
